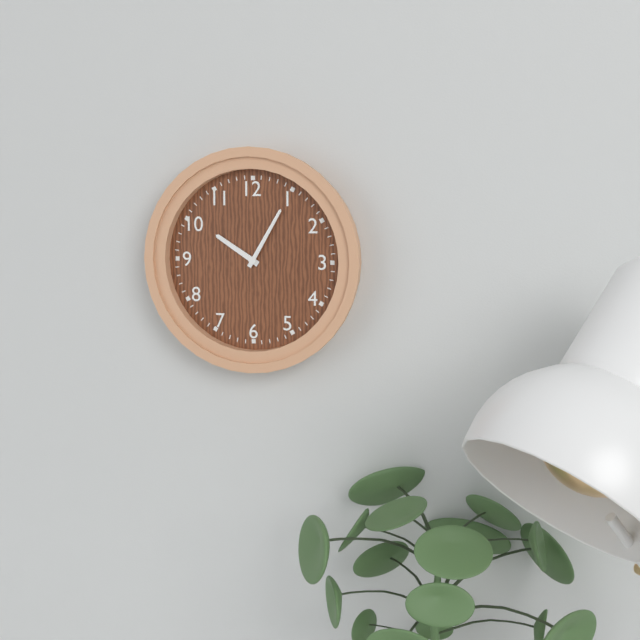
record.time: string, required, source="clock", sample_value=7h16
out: 10h05
